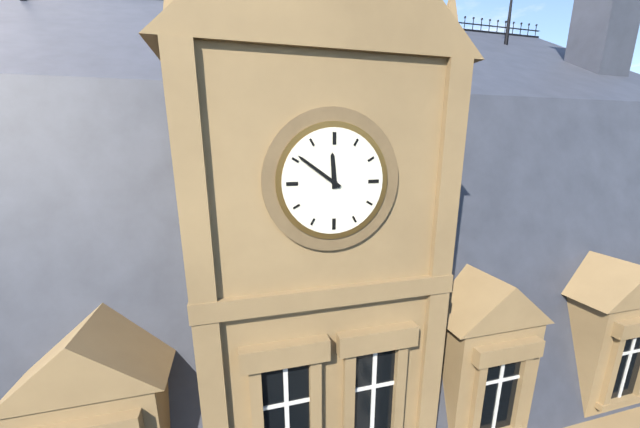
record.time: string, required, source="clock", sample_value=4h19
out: 11h51
